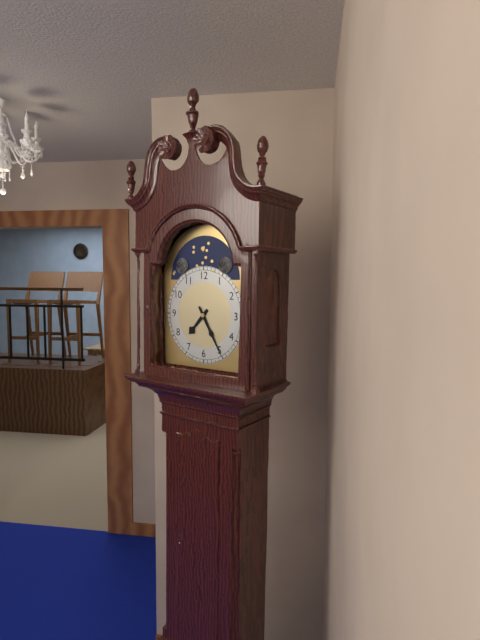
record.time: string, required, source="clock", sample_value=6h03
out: 7h25
